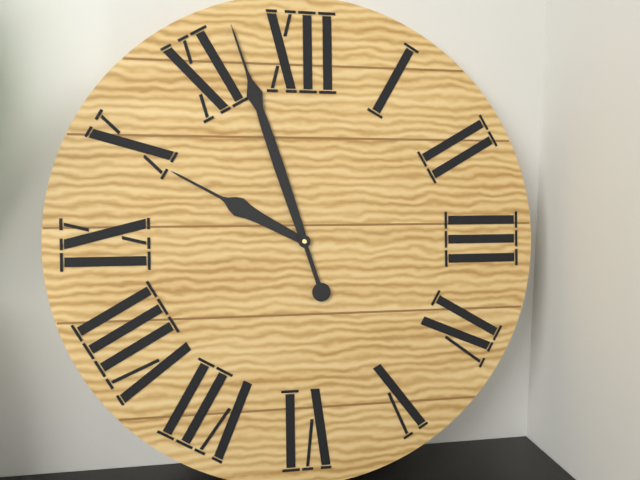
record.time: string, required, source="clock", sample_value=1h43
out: 9h57
